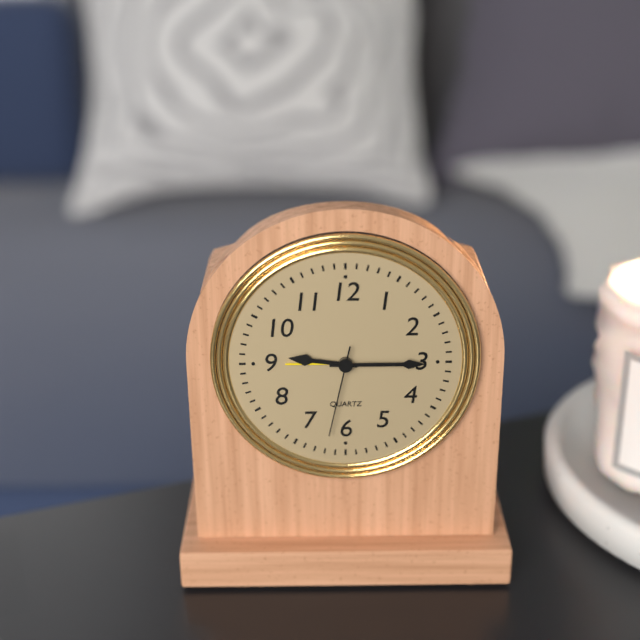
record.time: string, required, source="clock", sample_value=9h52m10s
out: 9h15m32s
